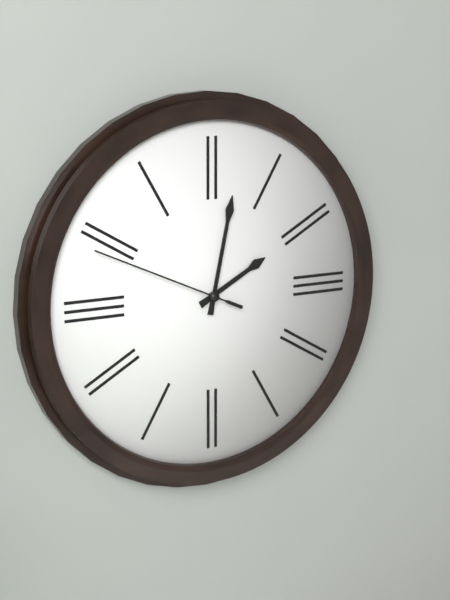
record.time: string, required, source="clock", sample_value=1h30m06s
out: 2h02m49s
